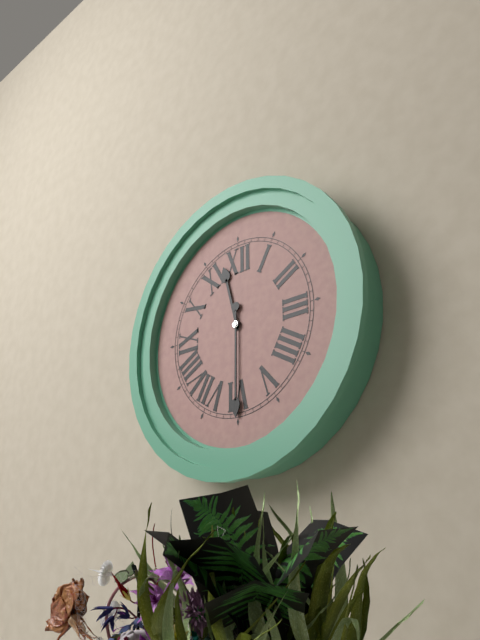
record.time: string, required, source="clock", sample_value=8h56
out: 11h30
